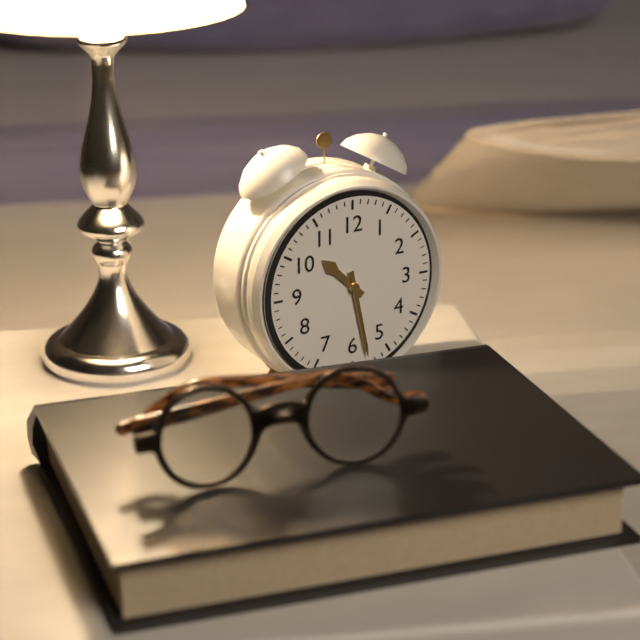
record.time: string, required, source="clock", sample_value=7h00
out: 10h28
